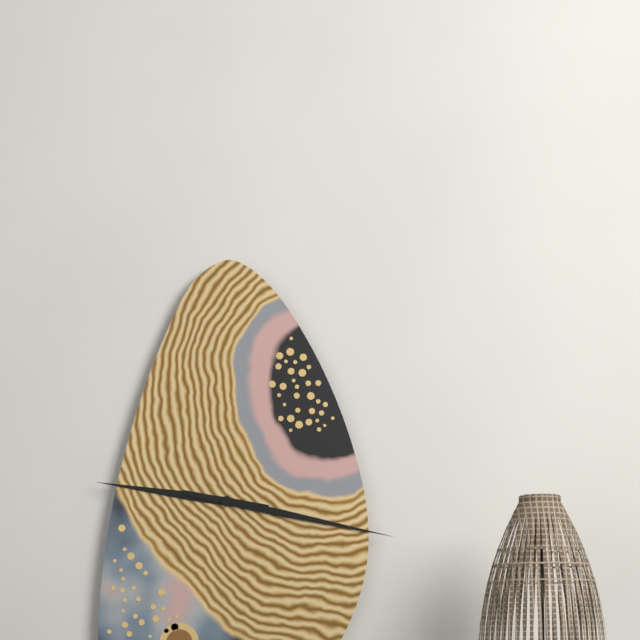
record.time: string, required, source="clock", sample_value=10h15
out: 9h17
